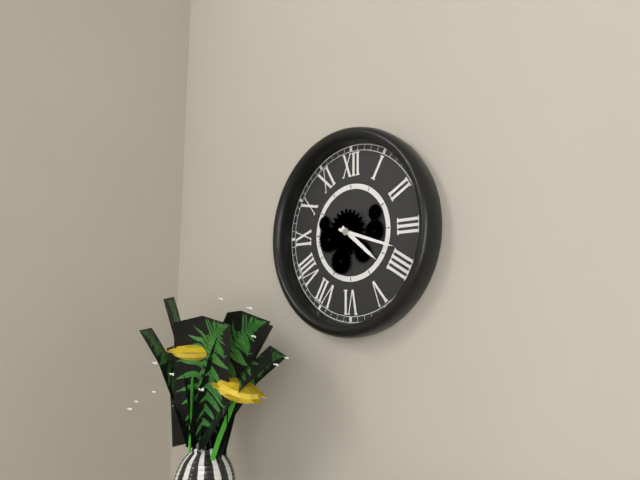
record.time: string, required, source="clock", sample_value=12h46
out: 4h18
